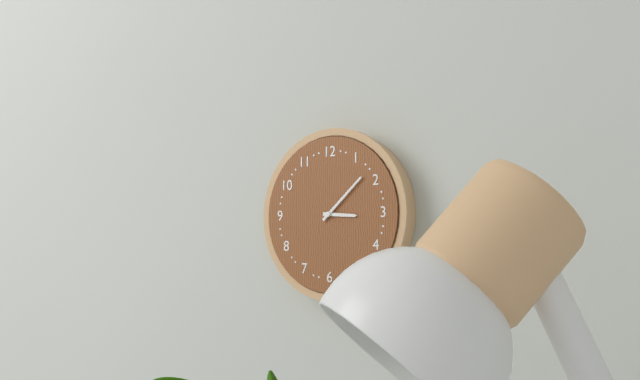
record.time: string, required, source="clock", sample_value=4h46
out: 3h08
